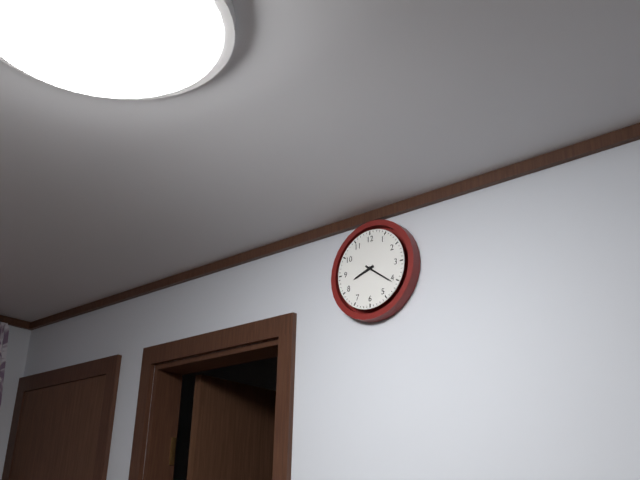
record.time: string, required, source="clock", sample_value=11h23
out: 8h21
